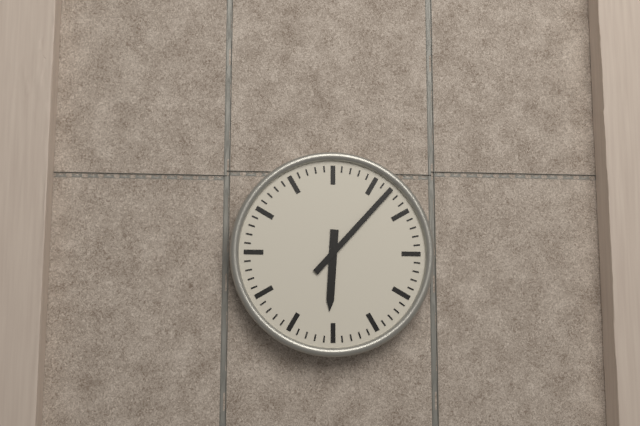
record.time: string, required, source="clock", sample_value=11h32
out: 6h07
